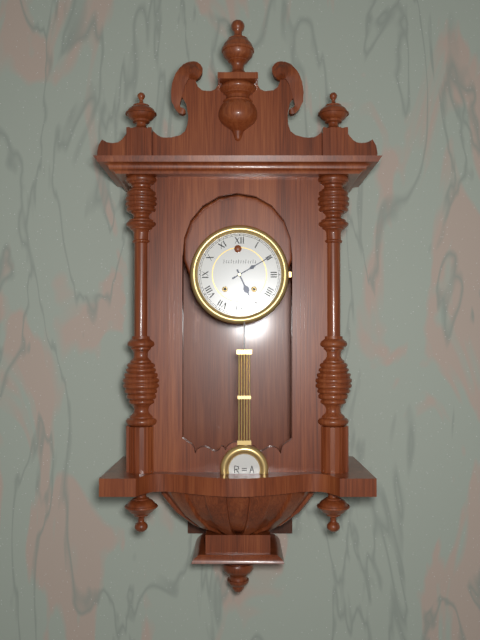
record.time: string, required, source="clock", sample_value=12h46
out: 5h10
